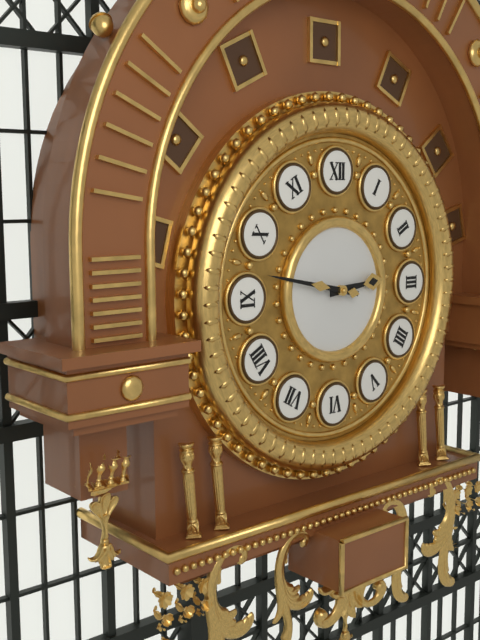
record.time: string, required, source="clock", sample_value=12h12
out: 2h47
